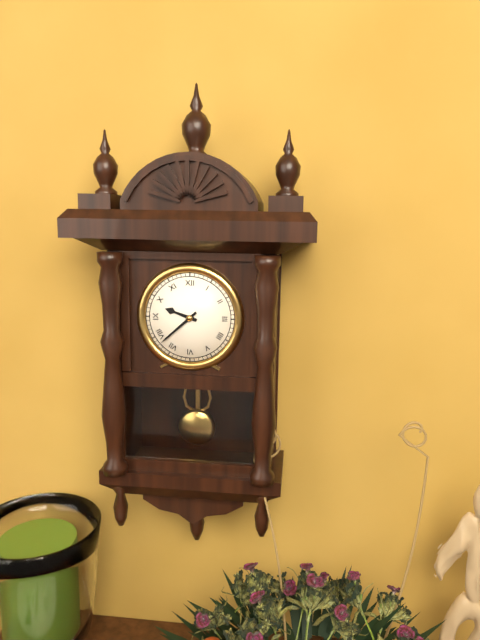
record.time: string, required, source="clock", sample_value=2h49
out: 9h38
